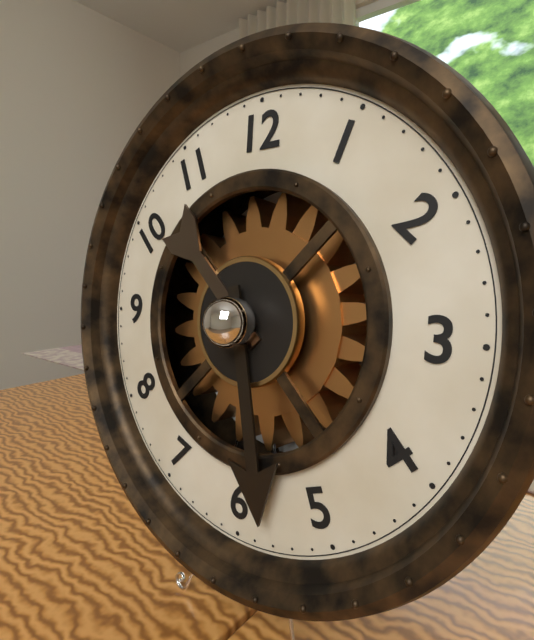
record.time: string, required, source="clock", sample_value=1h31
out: 10h28
